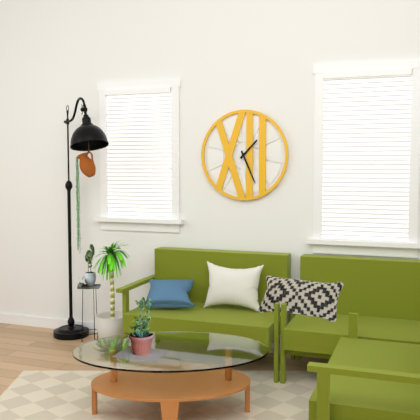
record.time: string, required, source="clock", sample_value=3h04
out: 1h26
